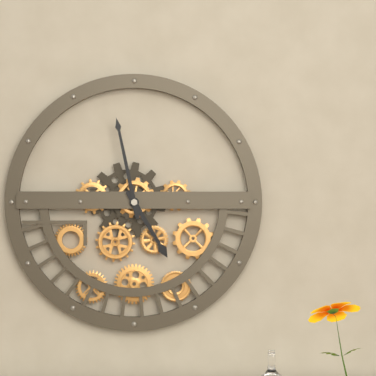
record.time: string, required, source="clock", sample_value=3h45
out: 4h58
